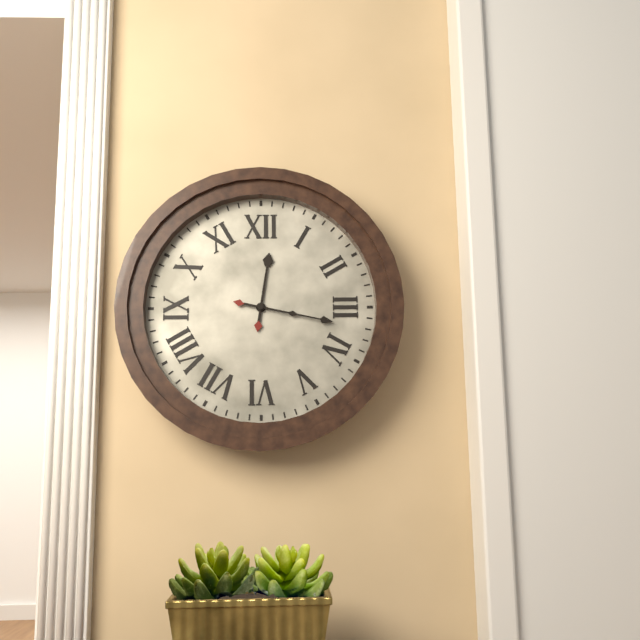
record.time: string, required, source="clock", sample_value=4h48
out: 12h17
